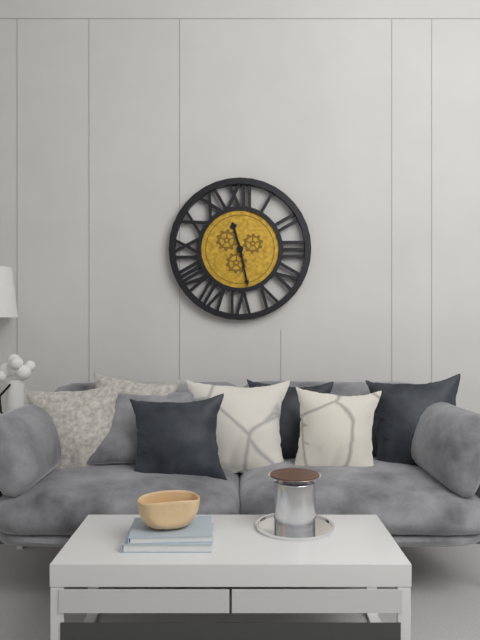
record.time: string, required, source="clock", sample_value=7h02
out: 11h28
